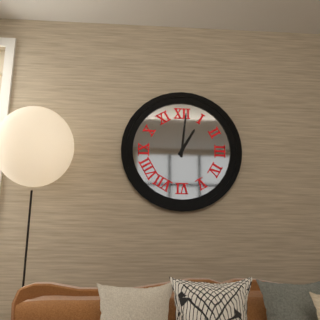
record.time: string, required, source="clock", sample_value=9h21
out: 1h01
